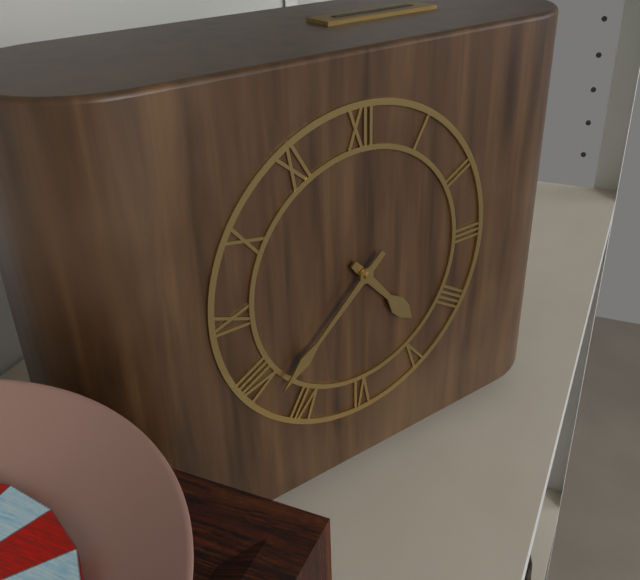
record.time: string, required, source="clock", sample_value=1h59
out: 4h38
